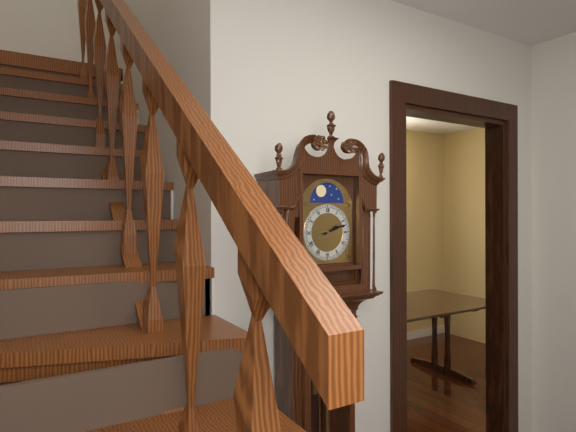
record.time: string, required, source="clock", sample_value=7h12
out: 2h12
